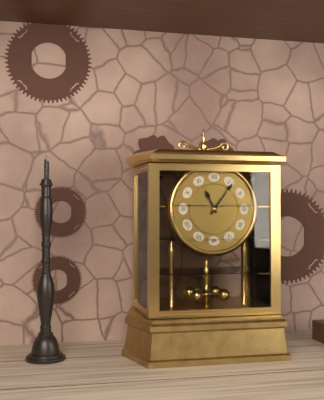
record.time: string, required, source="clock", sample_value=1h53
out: 11h06
